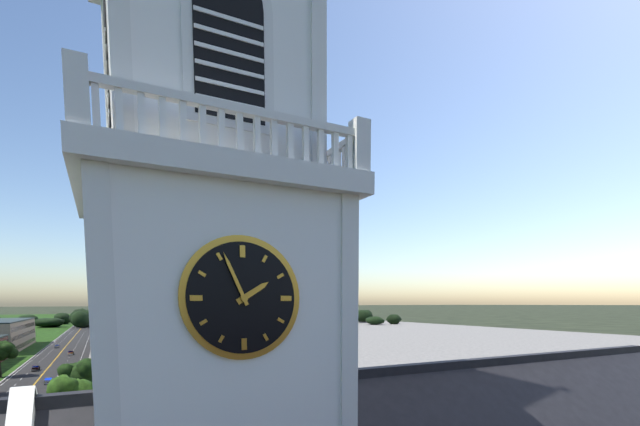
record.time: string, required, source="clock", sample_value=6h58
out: 1h56
